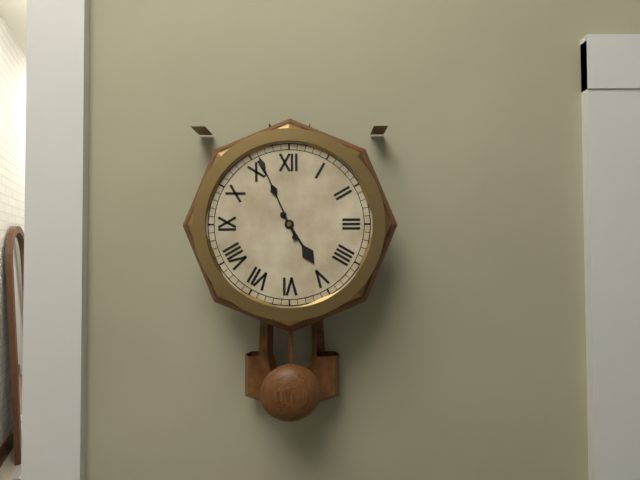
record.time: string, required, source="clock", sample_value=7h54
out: 4h56
